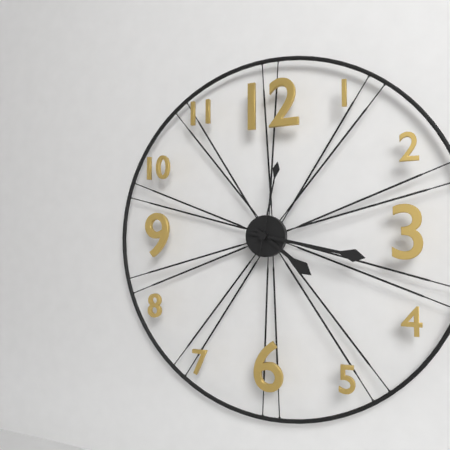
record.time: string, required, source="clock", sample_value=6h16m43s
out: 4h17m02s
